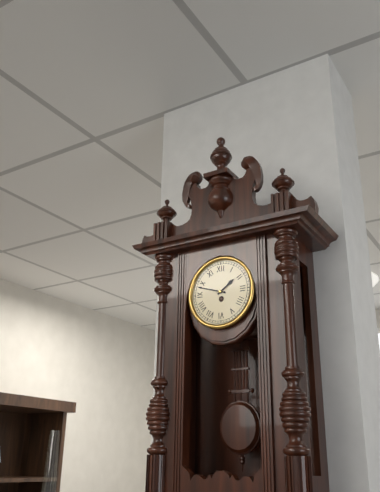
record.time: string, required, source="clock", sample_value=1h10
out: 1h48
